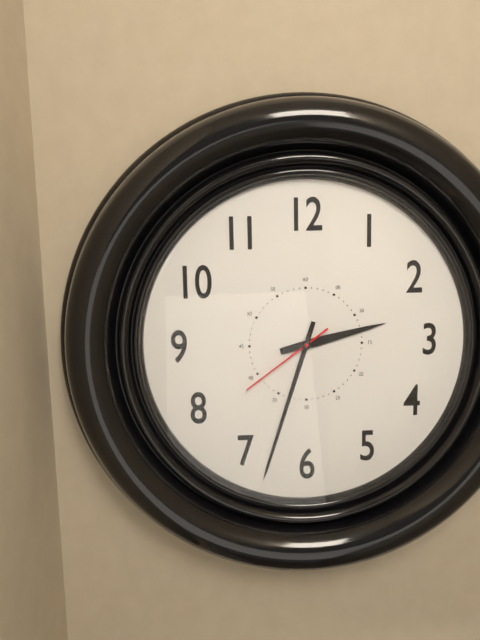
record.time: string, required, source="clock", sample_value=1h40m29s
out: 2h33m39s
